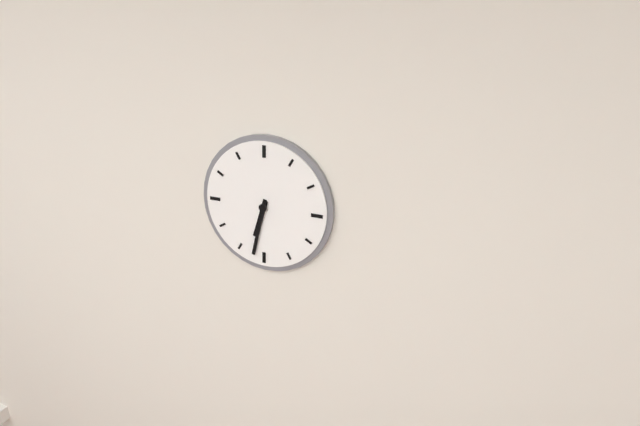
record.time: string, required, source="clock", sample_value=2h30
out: 6h32
